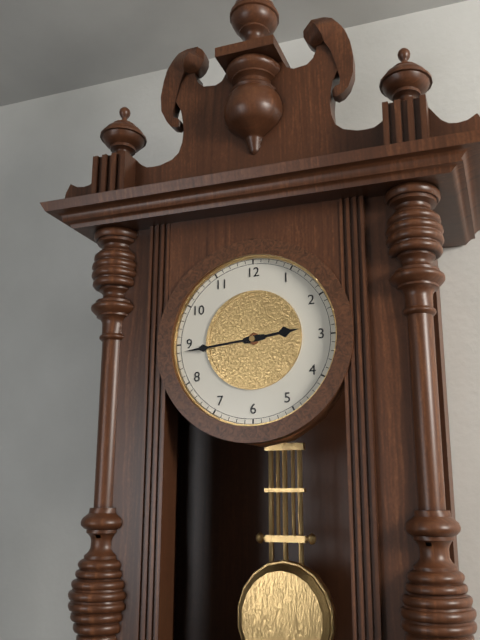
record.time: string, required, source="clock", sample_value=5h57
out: 2h44
